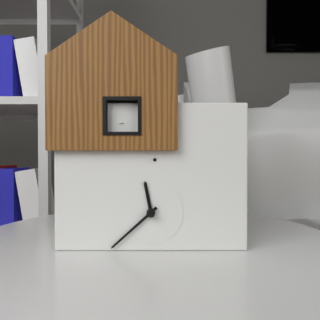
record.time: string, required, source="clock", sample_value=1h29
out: 11h38
